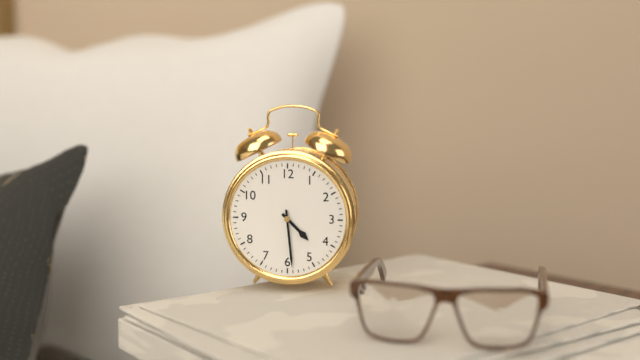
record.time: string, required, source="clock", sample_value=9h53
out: 4h29
